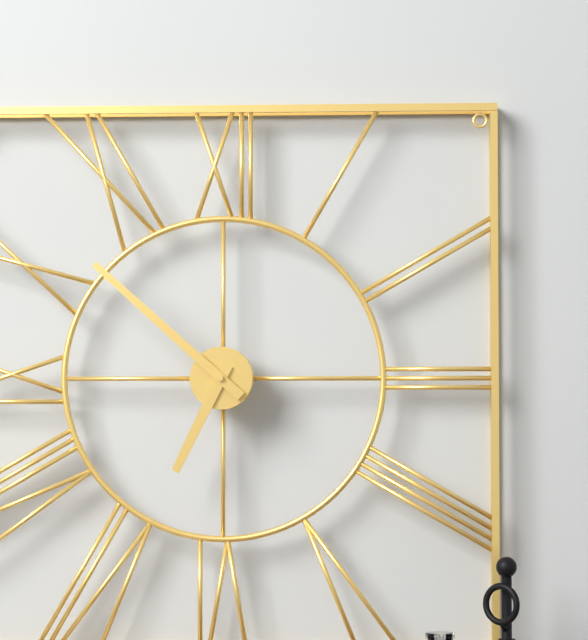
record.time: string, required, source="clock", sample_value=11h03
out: 6h52
